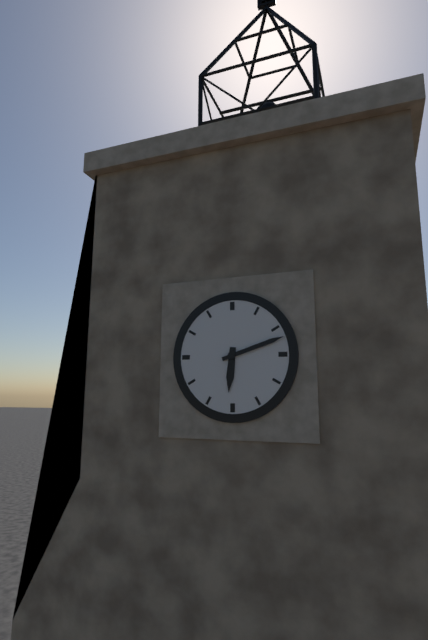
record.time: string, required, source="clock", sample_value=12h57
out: 6h12
